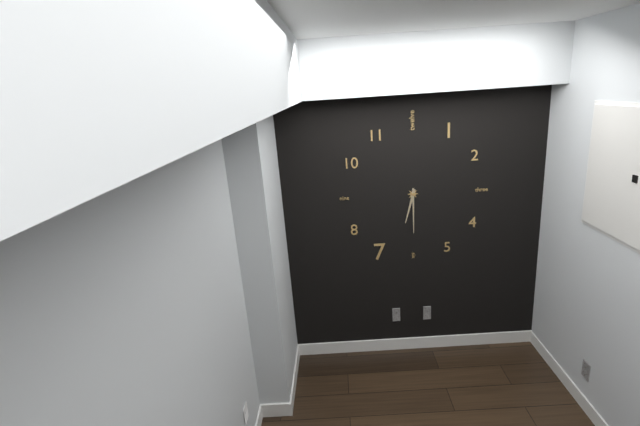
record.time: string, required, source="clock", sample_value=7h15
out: 6h30
